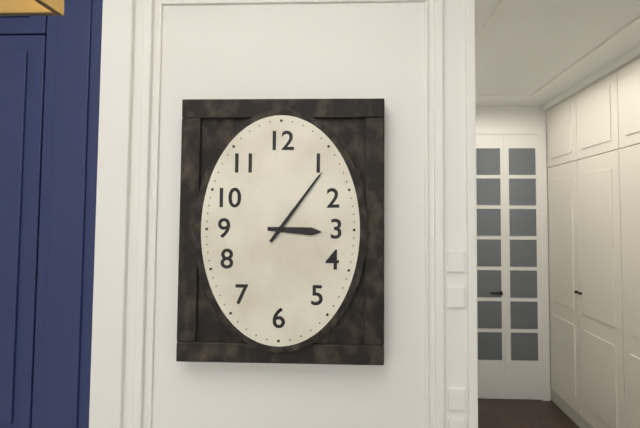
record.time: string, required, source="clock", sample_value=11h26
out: 3h06
